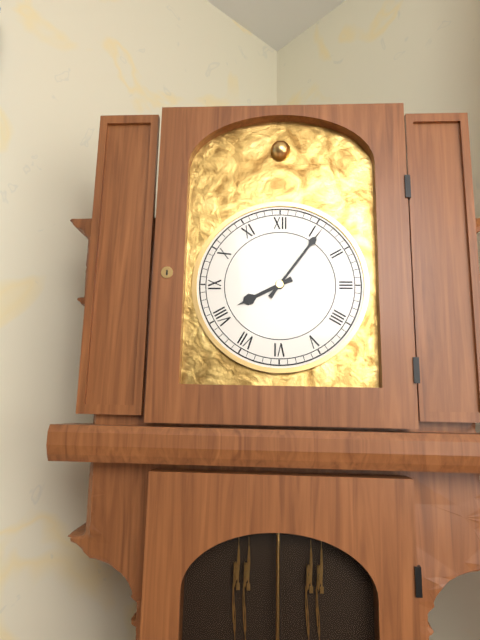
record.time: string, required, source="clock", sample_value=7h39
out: 8h06
